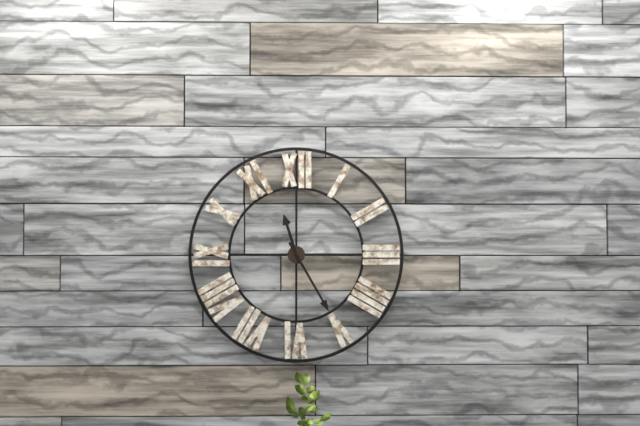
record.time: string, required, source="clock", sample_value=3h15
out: 11h25
